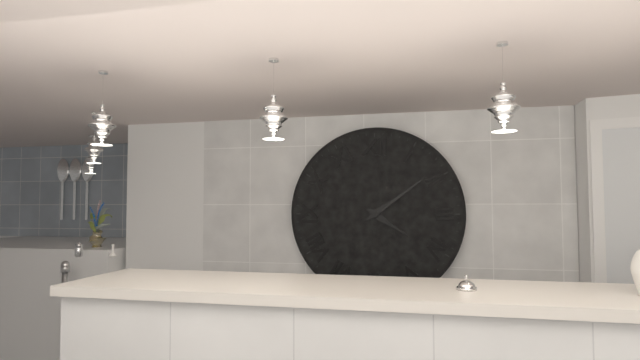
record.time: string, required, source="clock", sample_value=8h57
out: 4h09
